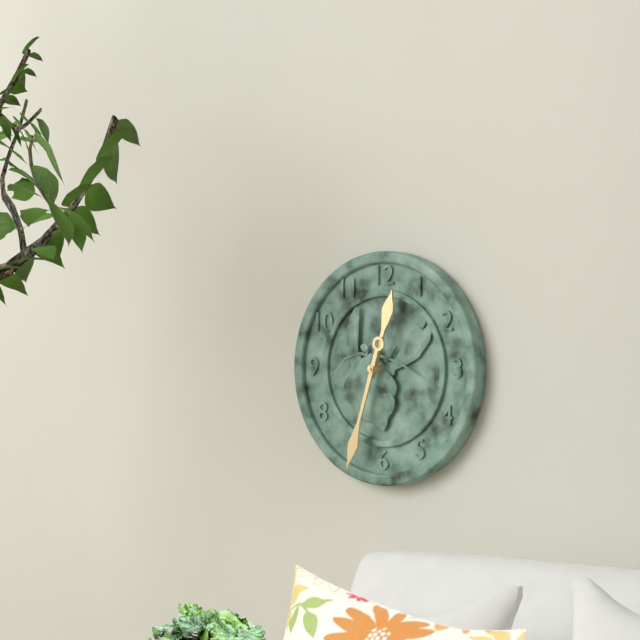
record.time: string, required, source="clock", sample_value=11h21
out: 12h33
